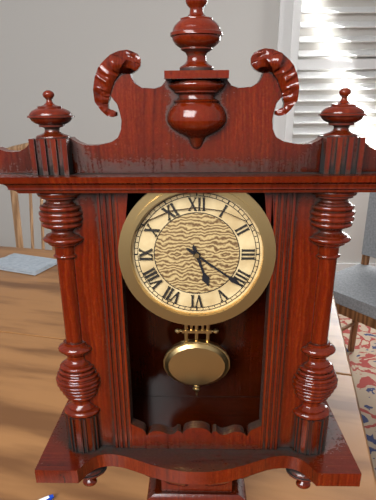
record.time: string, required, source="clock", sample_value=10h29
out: 5h21
